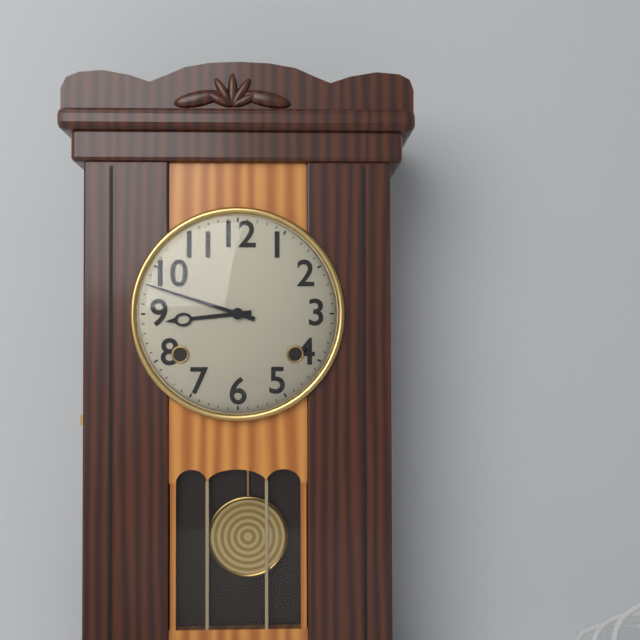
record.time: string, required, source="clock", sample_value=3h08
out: 8h48
